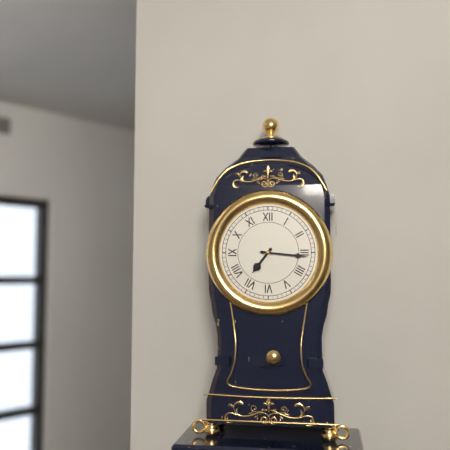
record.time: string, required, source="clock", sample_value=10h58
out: 7h16
